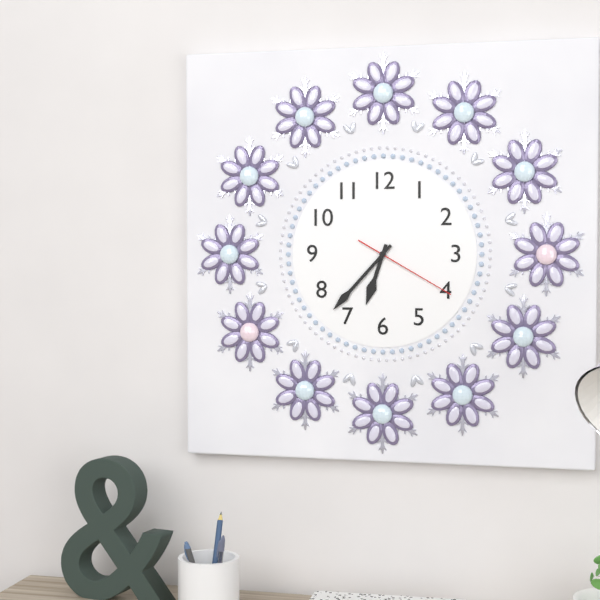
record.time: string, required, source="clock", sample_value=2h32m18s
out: 6h37m20s
